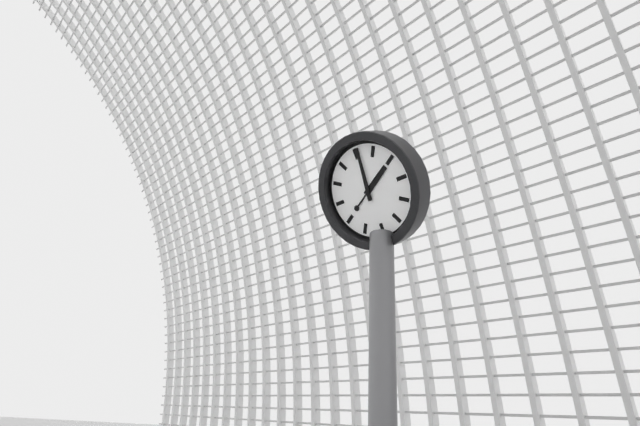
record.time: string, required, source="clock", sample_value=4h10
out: 2h01
